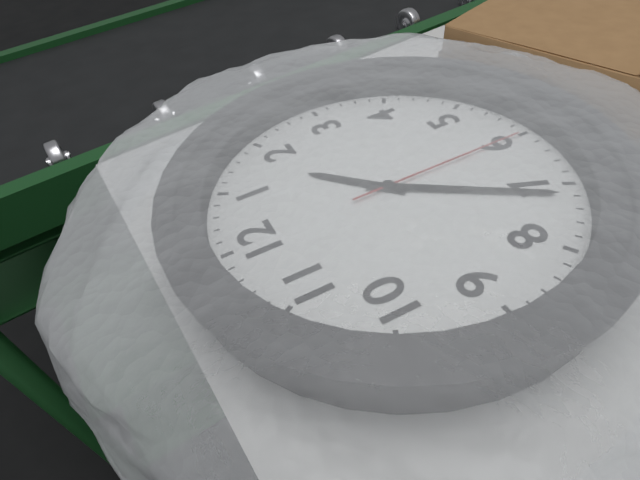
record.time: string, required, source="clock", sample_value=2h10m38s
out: 1h36m30s
